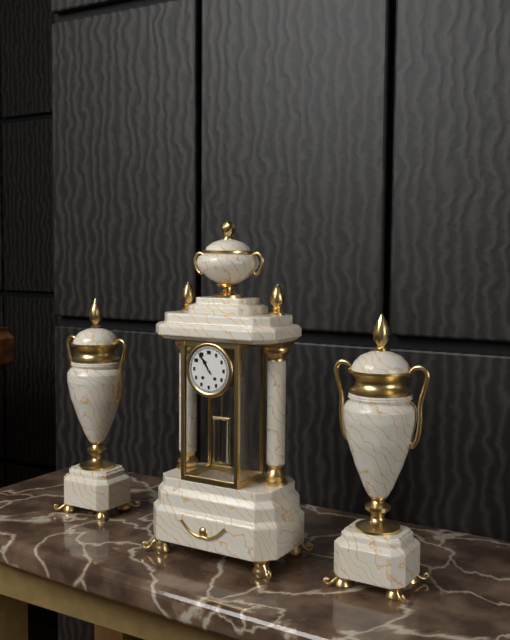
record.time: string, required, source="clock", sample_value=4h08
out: 10h54
